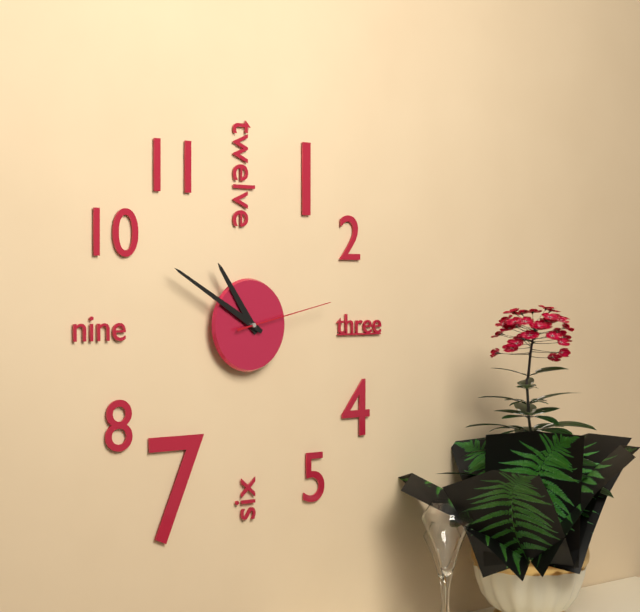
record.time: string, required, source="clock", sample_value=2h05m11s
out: 10h50m13s
